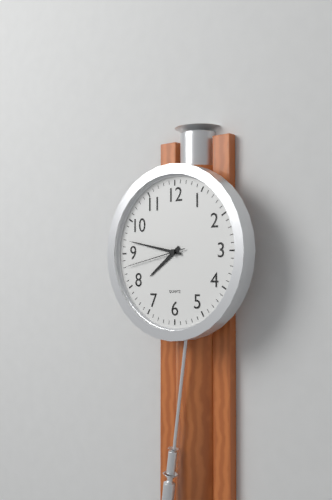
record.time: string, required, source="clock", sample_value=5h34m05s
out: 7h47m43s
